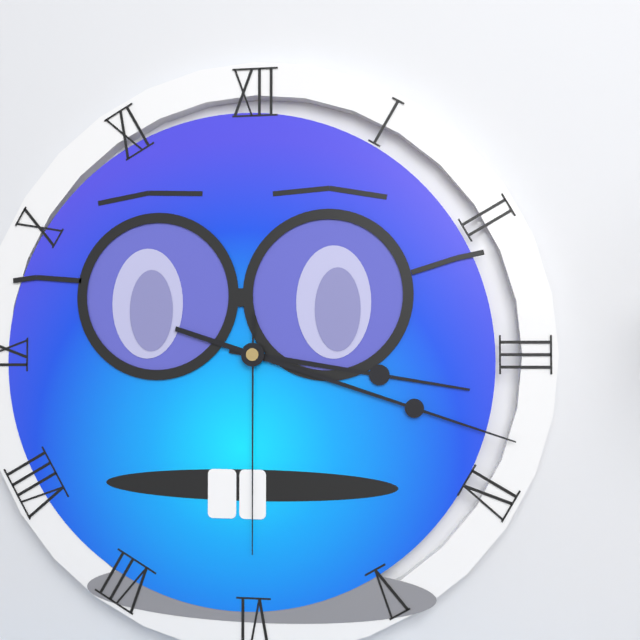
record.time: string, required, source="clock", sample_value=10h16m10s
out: 3h18m30s
